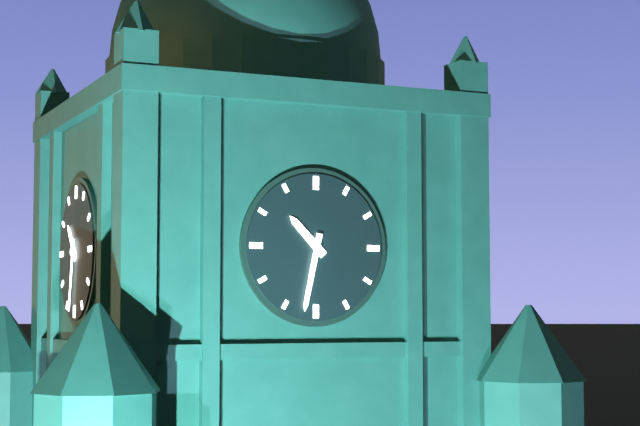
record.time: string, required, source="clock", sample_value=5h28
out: 10h32
